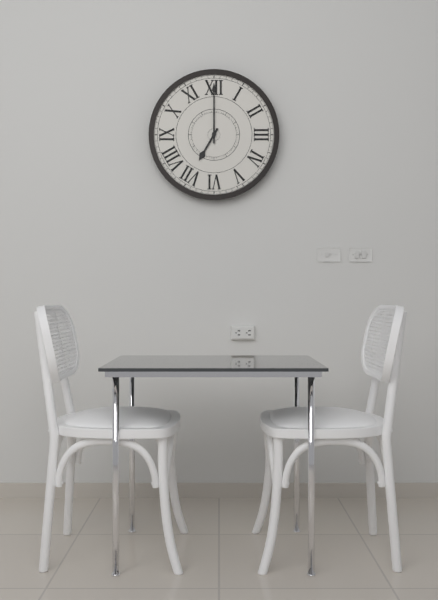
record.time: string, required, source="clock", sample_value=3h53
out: 7h00
